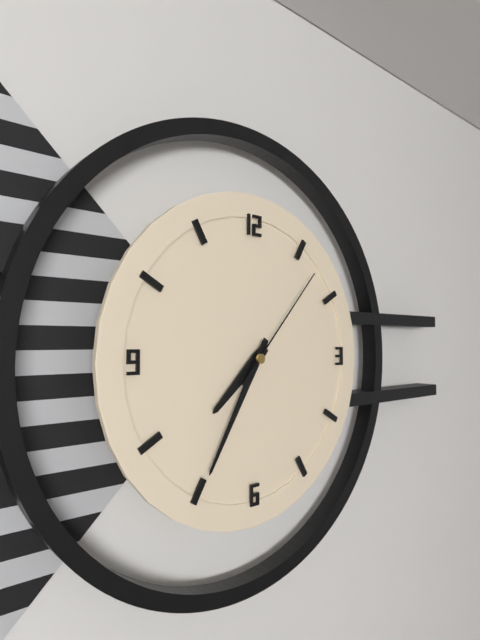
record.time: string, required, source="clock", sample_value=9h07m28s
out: 7h35m07s
